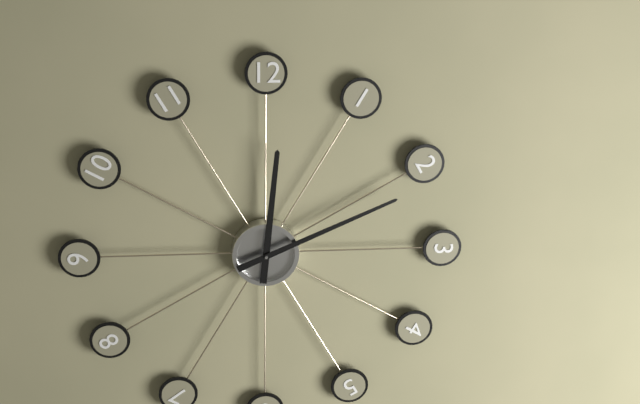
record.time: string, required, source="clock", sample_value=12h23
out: 12h11
